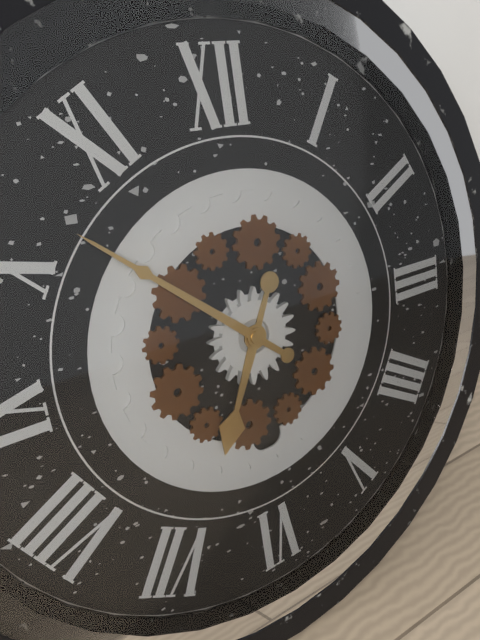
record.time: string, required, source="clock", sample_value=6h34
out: 6h52
